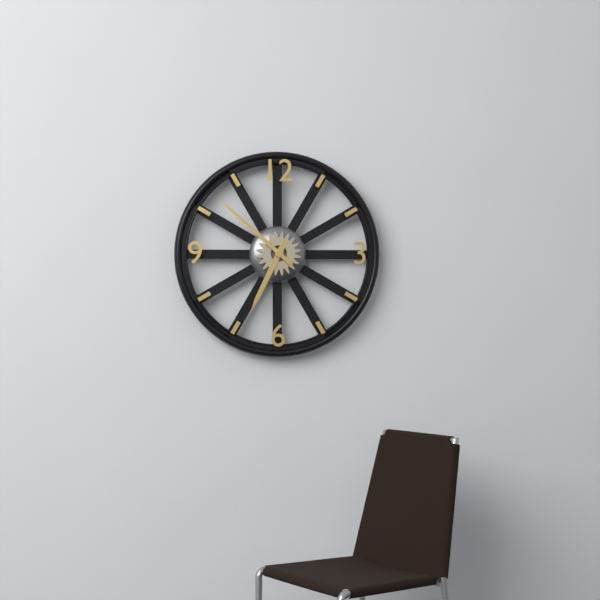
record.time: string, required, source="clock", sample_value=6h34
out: 6h52
